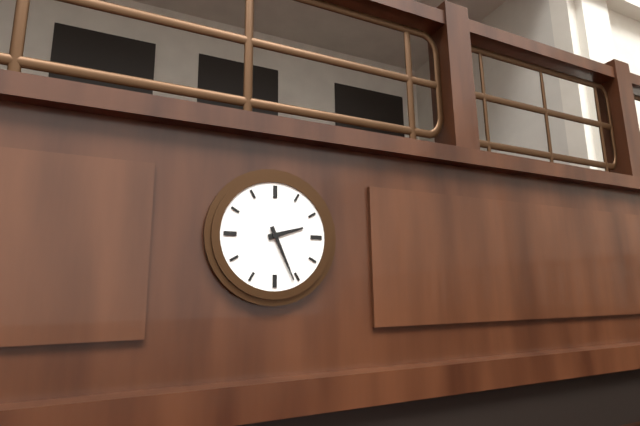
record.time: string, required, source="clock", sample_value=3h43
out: 2h26
